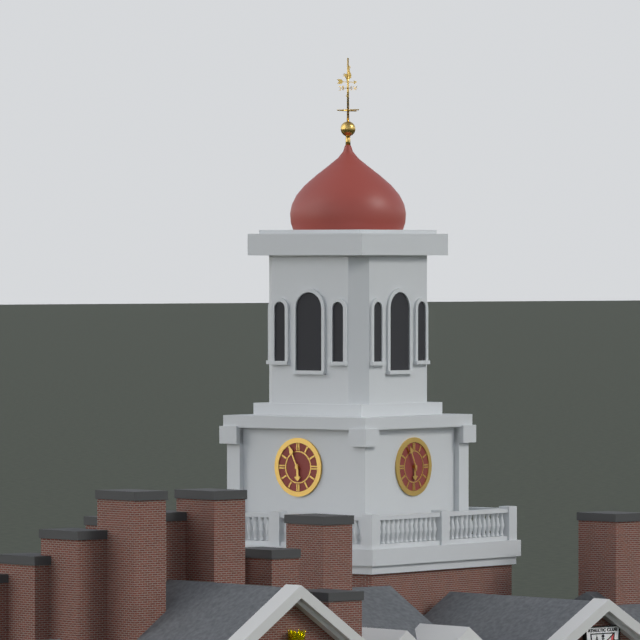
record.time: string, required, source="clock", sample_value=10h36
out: 5h56
